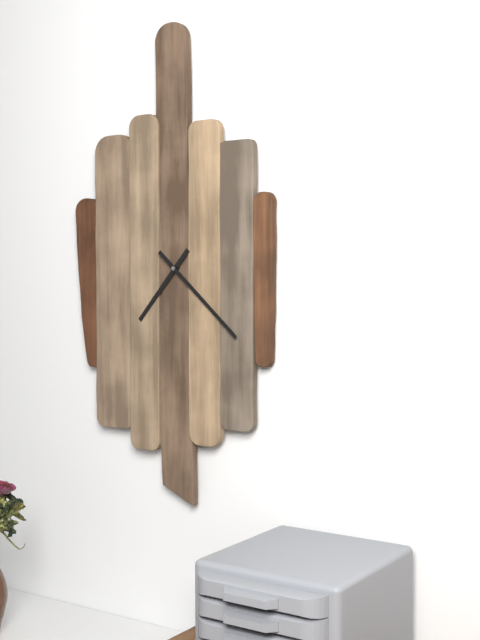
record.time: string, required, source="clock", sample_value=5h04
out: 7h22
